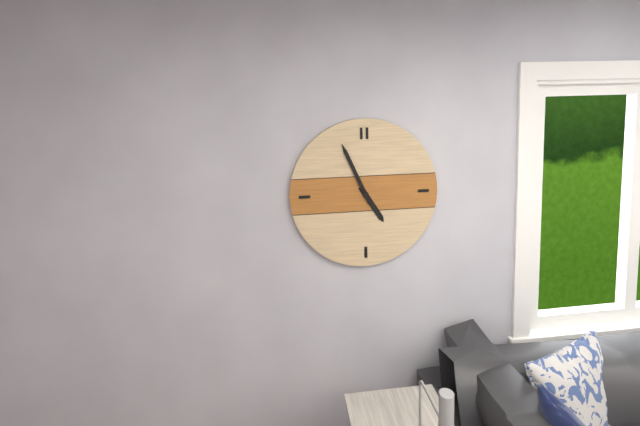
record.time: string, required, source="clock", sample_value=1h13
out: 4h56
